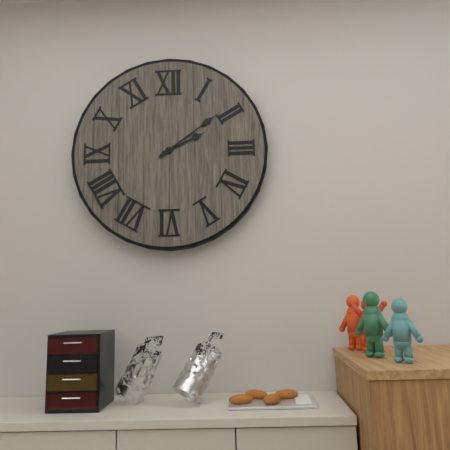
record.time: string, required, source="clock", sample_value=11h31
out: 2h09
